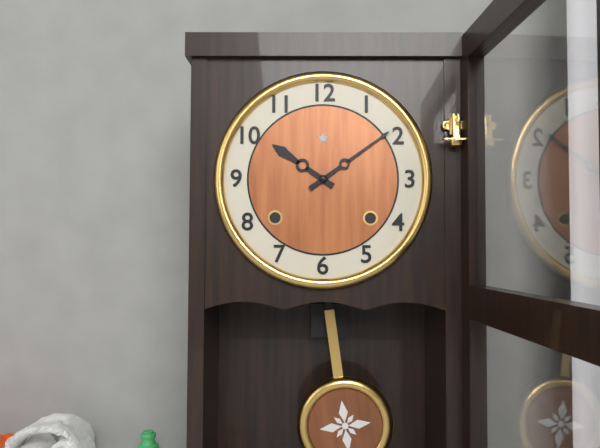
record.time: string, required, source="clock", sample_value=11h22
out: 10h09
